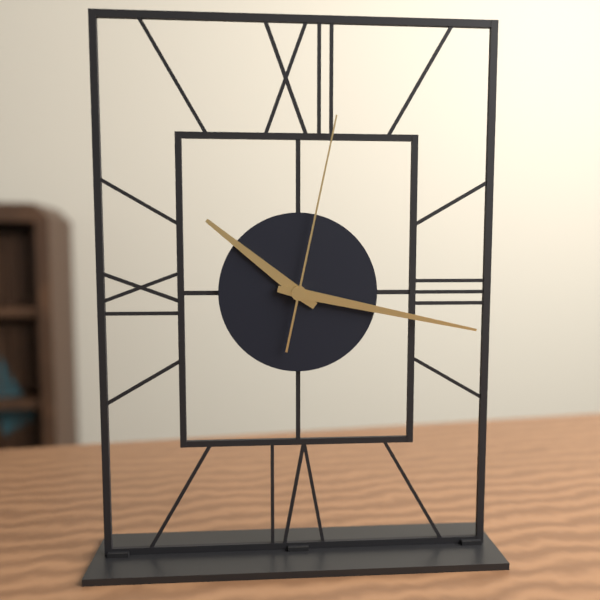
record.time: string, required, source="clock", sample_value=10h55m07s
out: 10h17m02s
